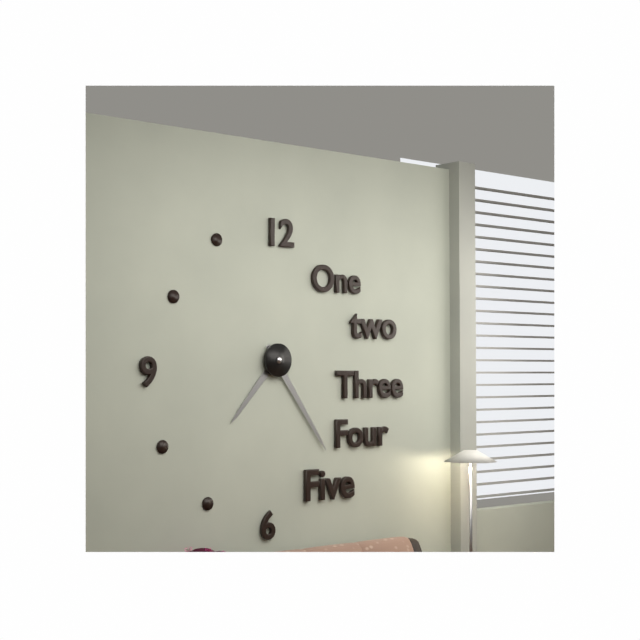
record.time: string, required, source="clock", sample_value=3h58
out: 7h24
